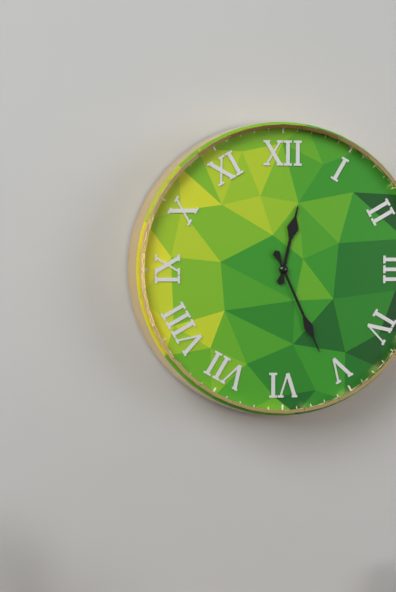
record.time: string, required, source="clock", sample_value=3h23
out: 12h26
